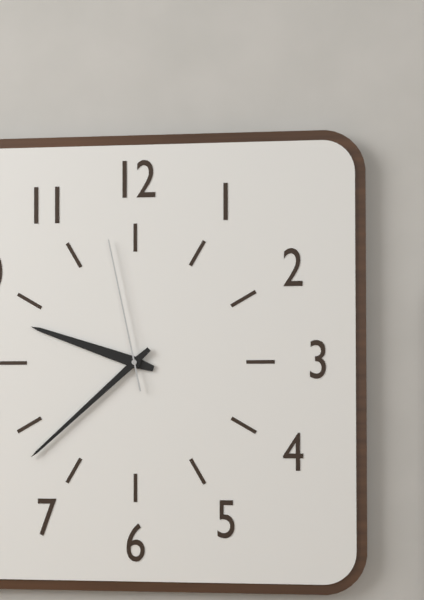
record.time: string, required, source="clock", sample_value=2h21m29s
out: 9h38m58s
